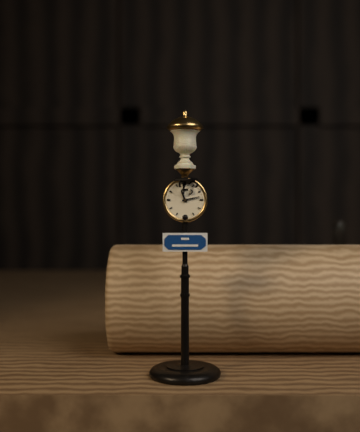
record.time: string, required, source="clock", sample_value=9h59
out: 11h13
